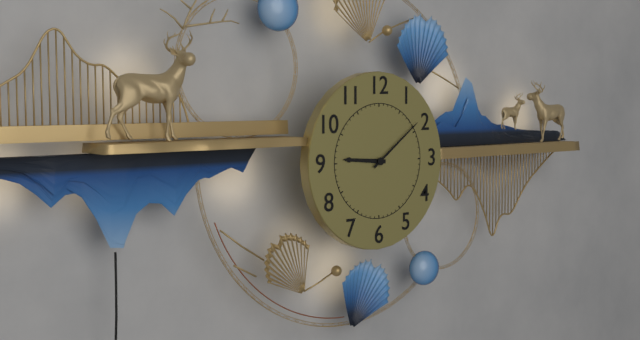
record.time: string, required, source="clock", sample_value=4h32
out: 9h09
